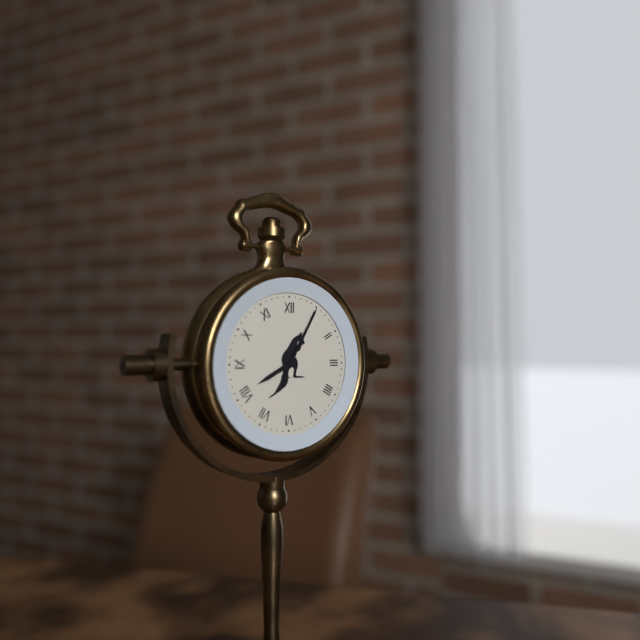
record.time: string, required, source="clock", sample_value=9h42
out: 8h05
